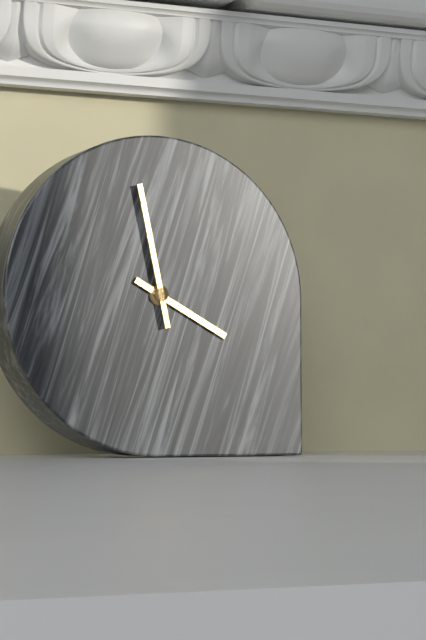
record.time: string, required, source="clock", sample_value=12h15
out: 3h58
